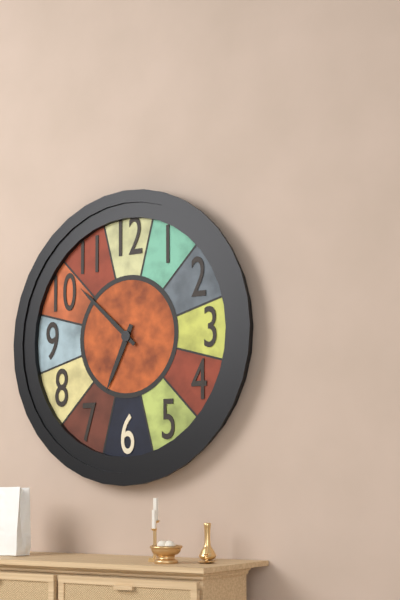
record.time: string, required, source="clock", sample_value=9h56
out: 6h52
